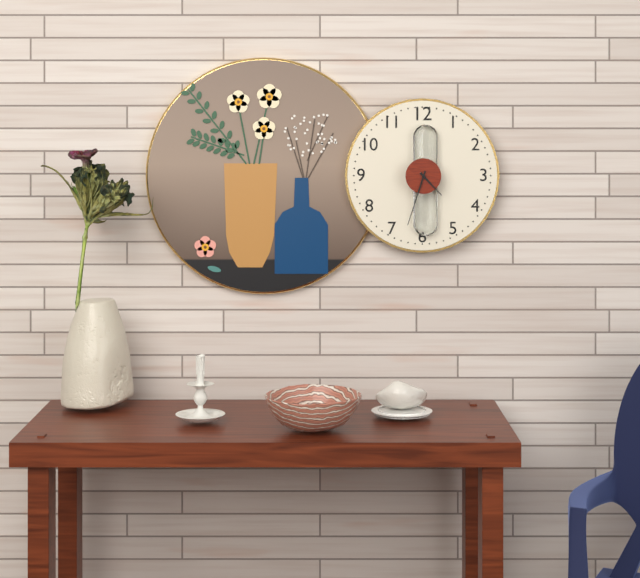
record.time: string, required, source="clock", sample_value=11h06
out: 4h33
